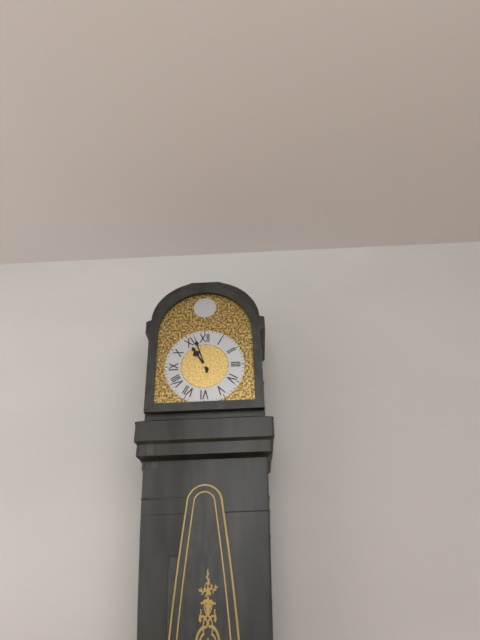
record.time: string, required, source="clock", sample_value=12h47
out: 10h57
